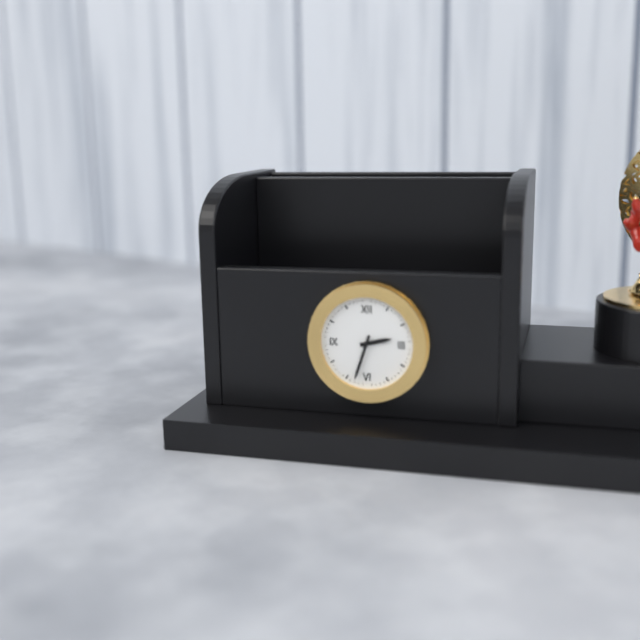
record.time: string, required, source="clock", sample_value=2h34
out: 2h33
